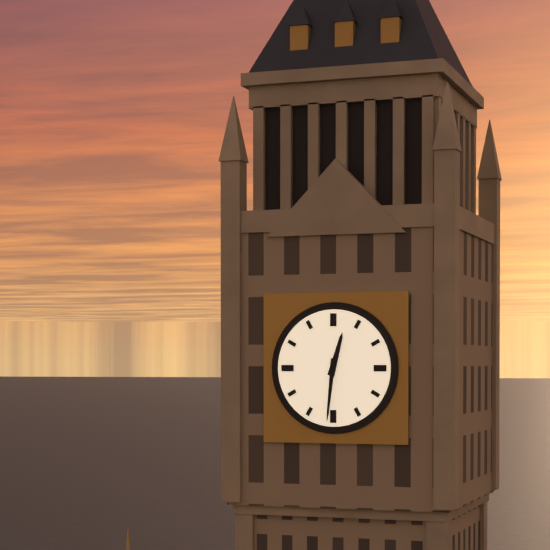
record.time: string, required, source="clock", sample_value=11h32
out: 12h31
